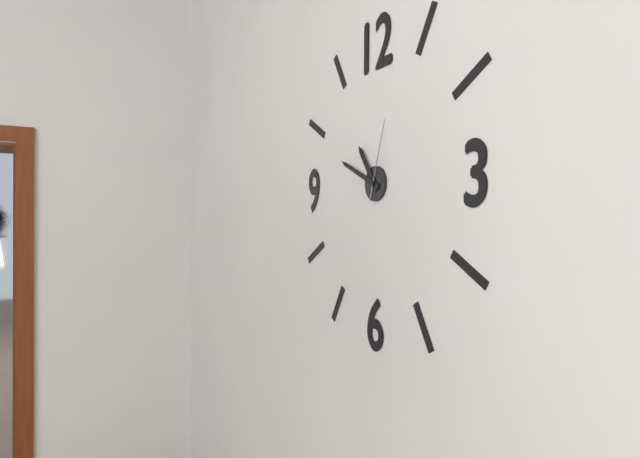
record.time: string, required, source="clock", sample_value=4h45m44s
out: 10h49m03s
